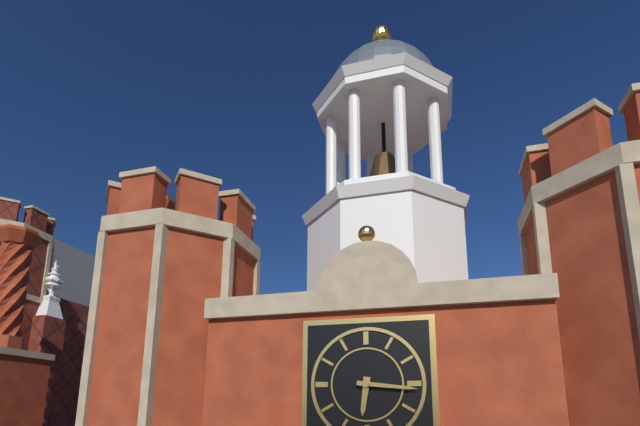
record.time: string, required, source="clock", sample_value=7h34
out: 6h16
